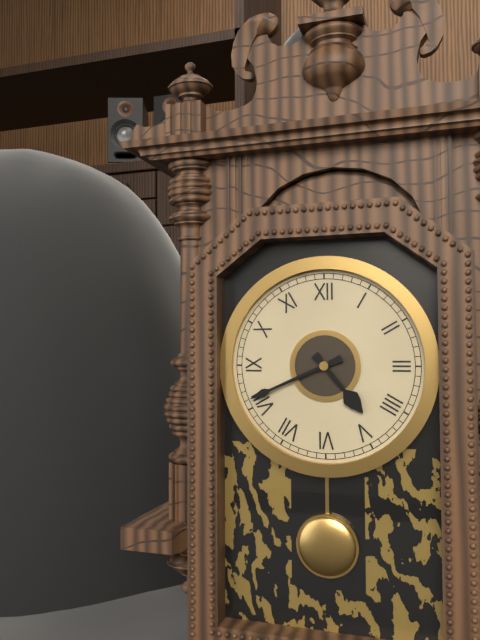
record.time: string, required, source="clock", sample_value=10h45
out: 4h41
